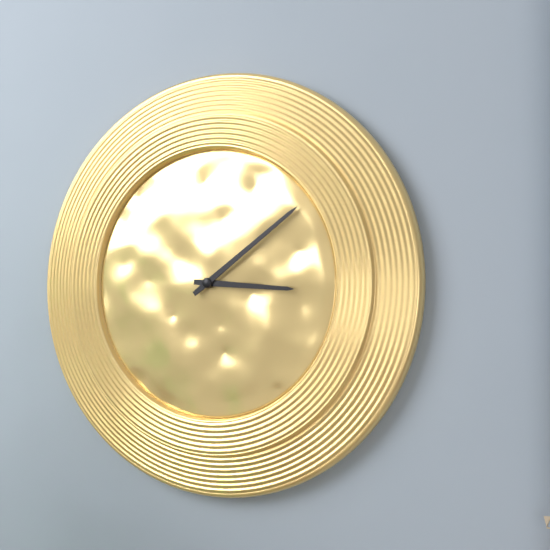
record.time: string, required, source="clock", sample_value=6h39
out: 3h09
